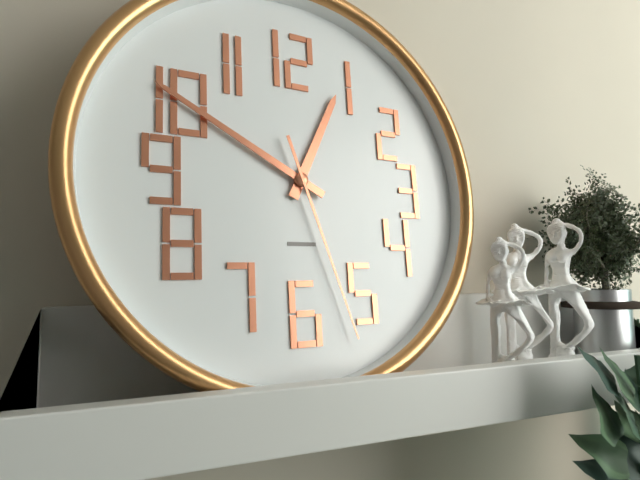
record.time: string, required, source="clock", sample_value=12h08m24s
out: 12h50m27s
